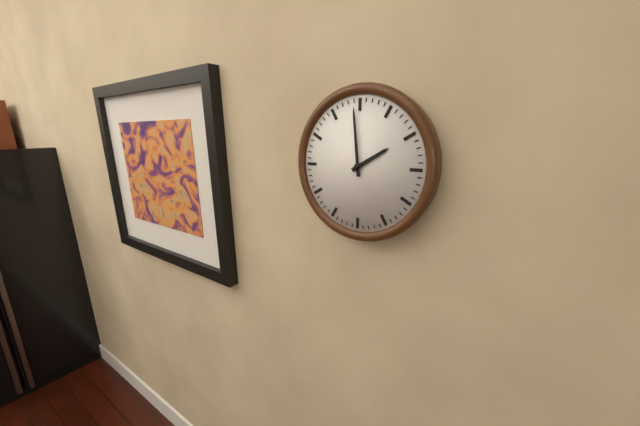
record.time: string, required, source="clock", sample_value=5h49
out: 1h59
